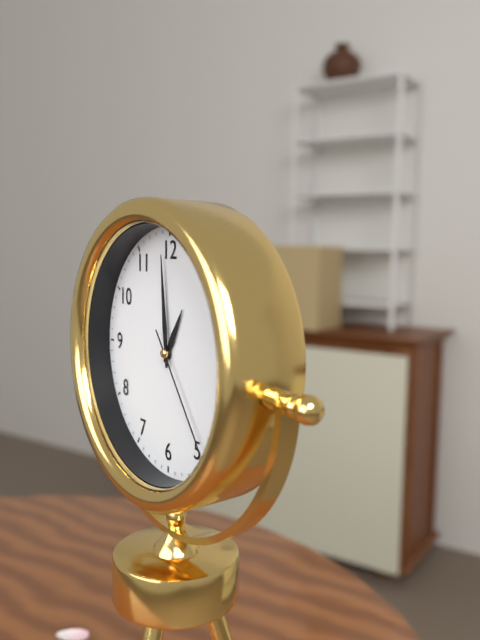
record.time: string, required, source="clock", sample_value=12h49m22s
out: 12h59m24s
